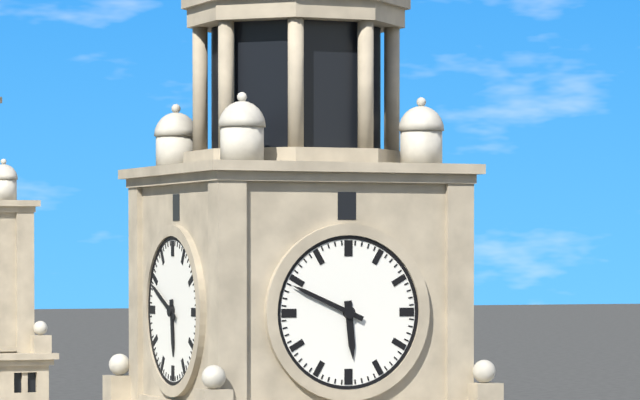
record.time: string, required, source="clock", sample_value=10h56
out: 5h49
